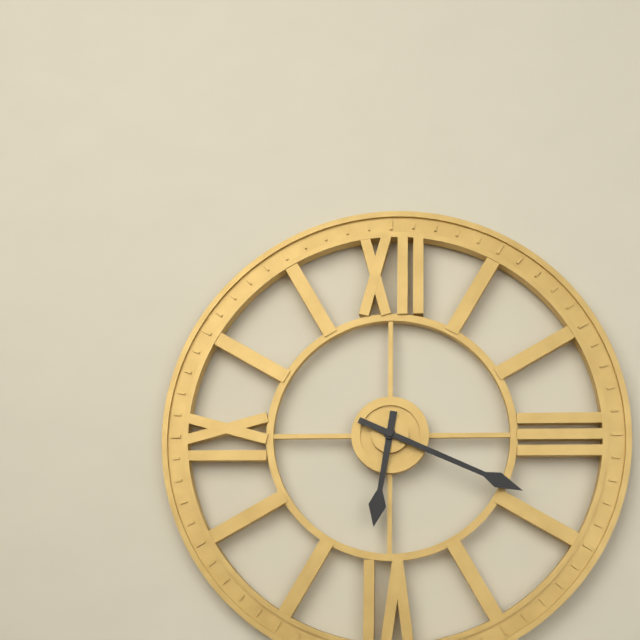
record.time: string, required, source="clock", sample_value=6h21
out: 6h19
